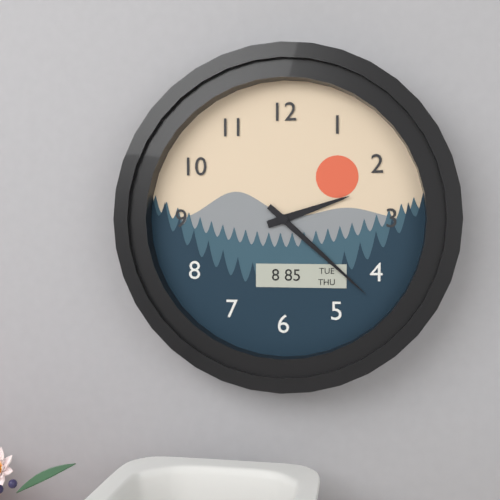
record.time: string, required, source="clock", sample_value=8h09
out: 2h22
